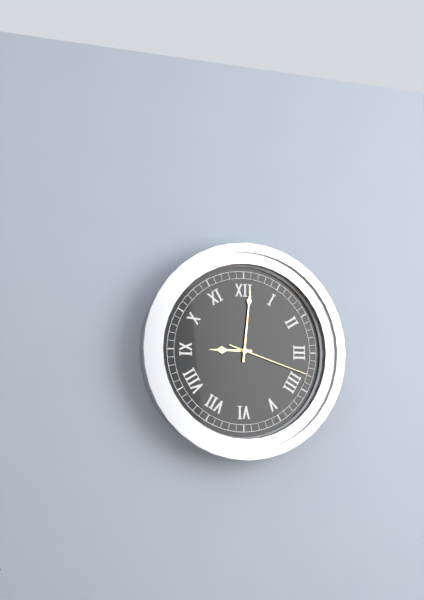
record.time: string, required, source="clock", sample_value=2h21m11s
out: 9h01m18s
